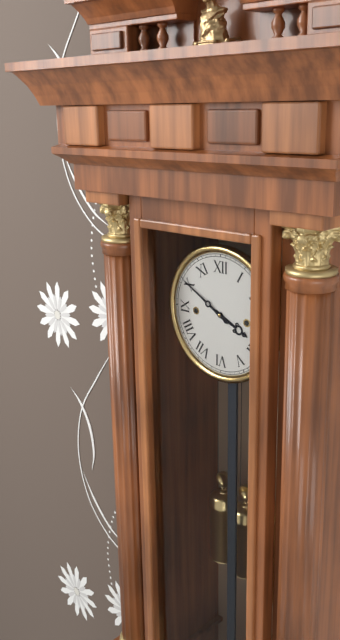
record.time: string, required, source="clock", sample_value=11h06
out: 3h50
